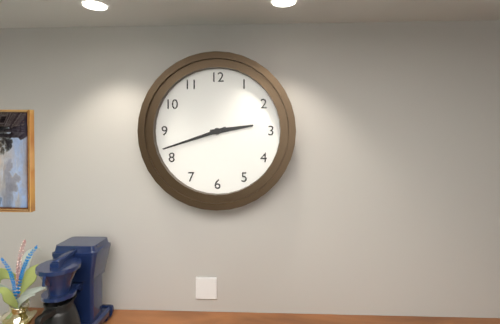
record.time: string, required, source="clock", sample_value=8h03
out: 2h42
